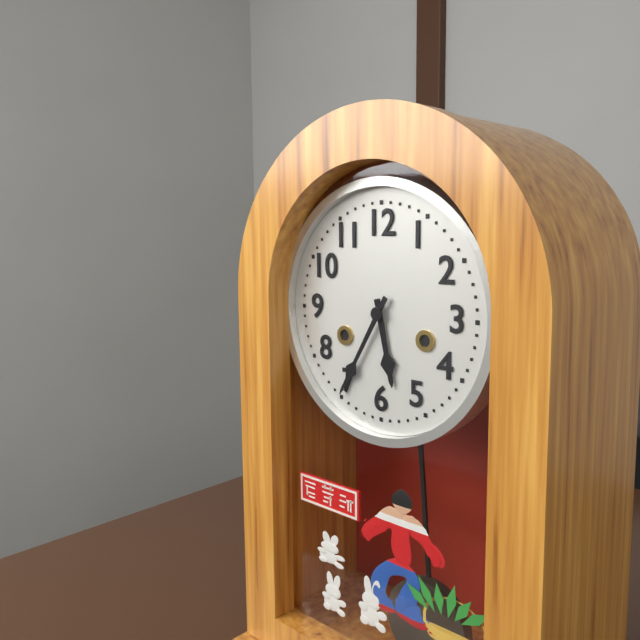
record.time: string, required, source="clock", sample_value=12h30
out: 5h35
